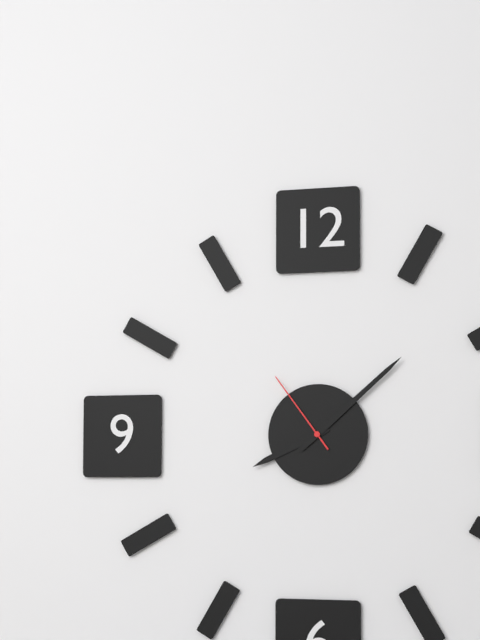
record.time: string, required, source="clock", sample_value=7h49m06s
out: 8h08m54s
